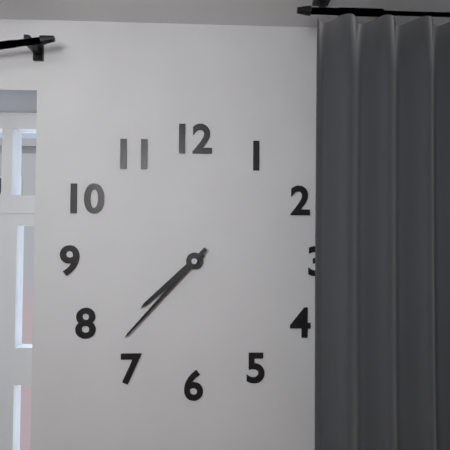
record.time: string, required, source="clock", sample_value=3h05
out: 7h37
